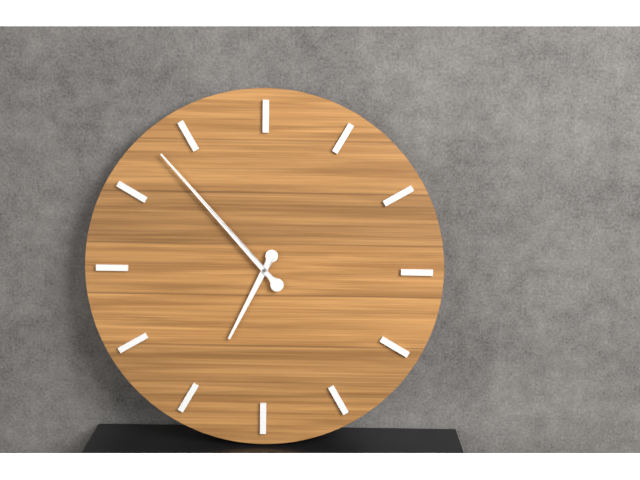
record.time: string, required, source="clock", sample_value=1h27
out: 6h53
